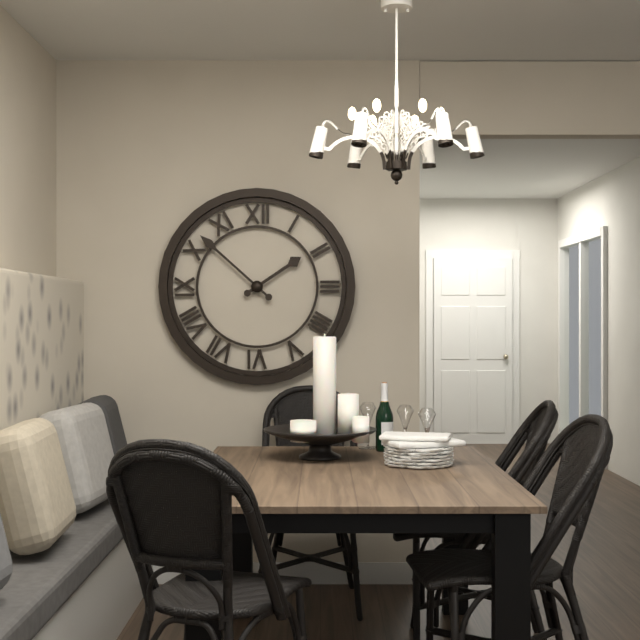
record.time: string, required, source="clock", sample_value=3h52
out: 1h52
